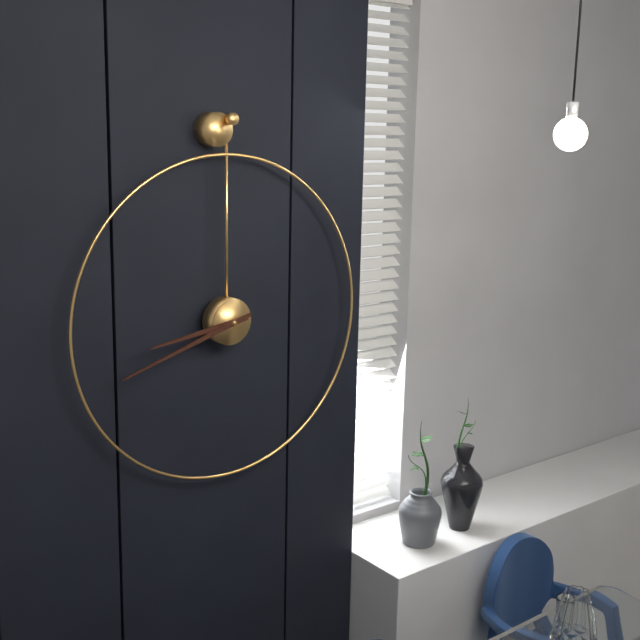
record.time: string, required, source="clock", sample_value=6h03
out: 8h42
